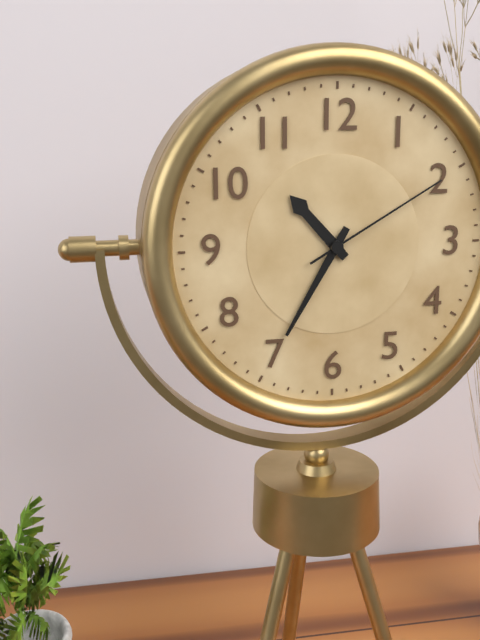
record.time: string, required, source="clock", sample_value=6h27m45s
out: 10h35m10s
